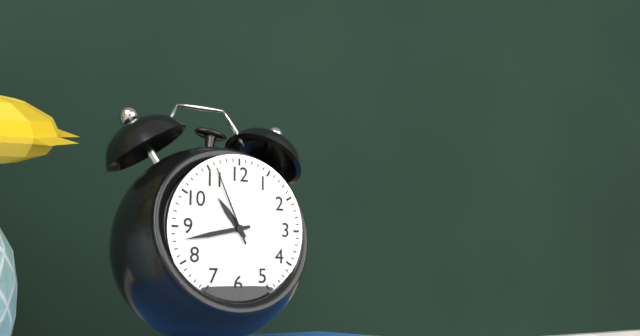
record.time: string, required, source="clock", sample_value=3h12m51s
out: 10h43m56s
